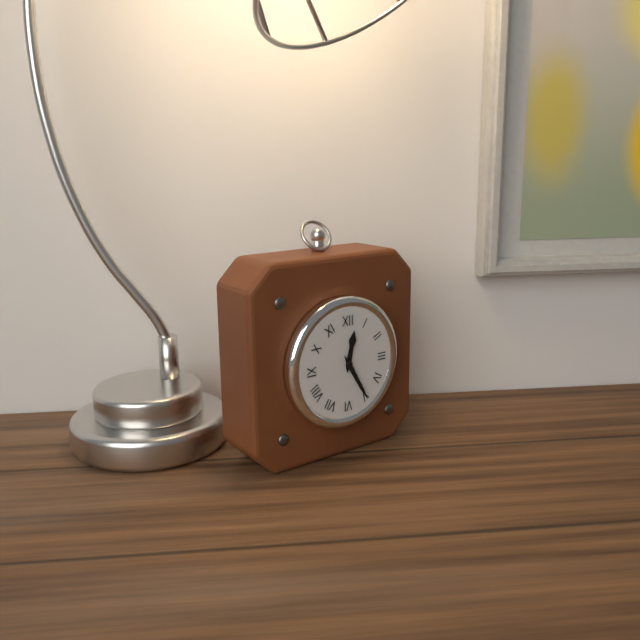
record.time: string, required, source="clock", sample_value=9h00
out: 12h25
